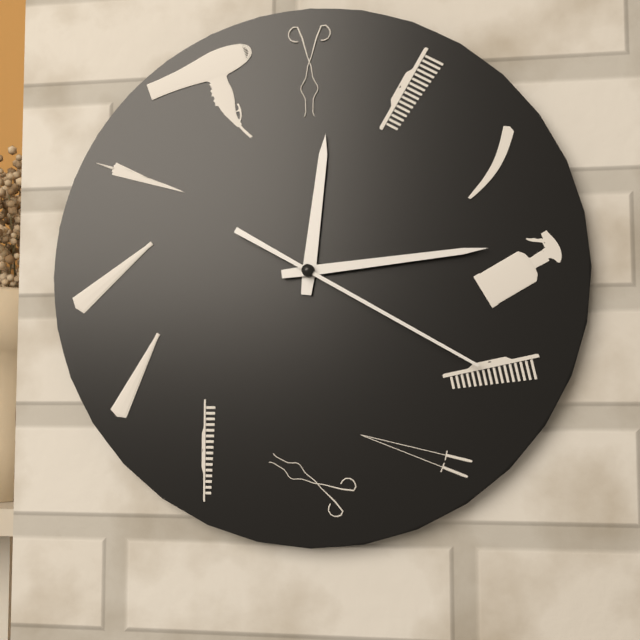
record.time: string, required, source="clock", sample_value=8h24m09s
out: 12h14m20s
